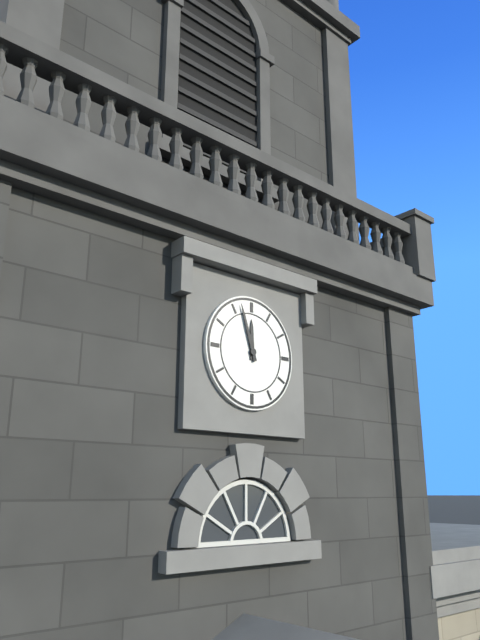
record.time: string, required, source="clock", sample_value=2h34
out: 11h57
